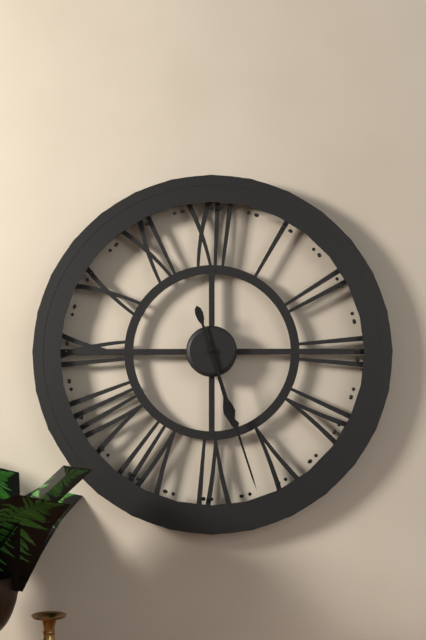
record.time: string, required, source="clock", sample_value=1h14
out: 5h27
